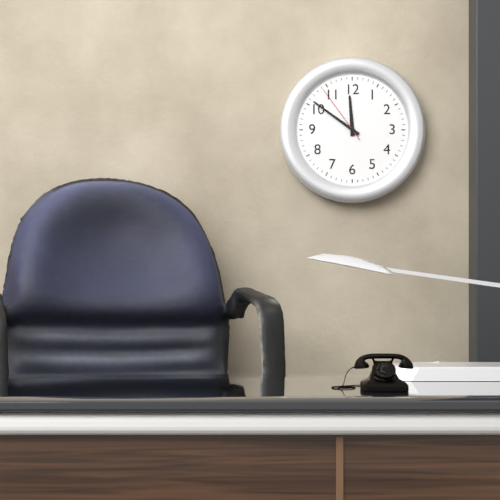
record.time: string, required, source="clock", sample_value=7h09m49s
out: 11h51m54s
